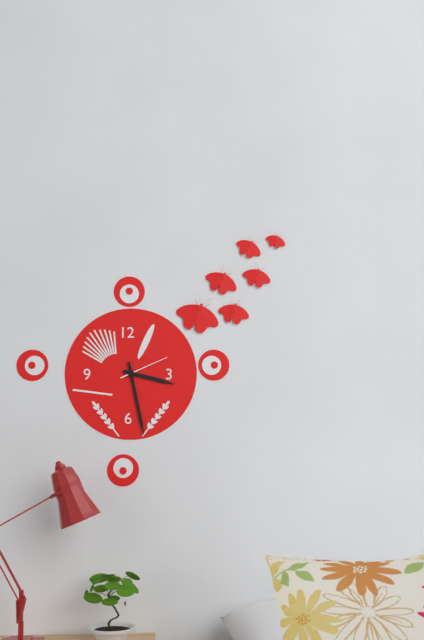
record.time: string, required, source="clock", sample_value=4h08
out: 3h28
